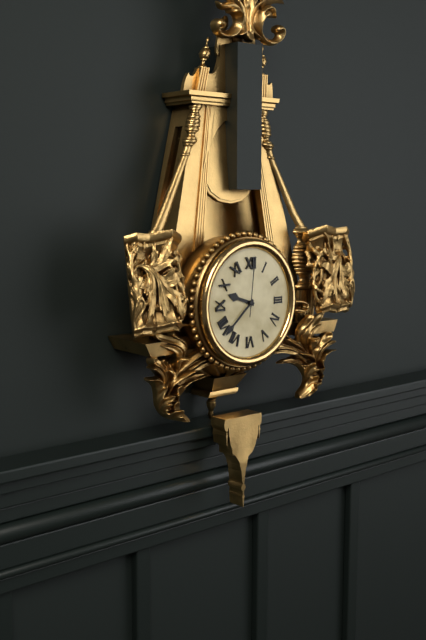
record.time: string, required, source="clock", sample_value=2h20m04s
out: 9h38m01s
